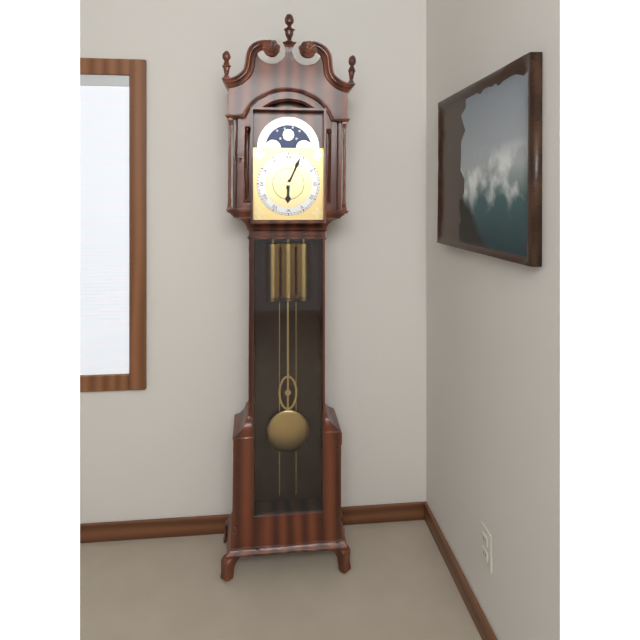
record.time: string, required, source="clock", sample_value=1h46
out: 6h04
